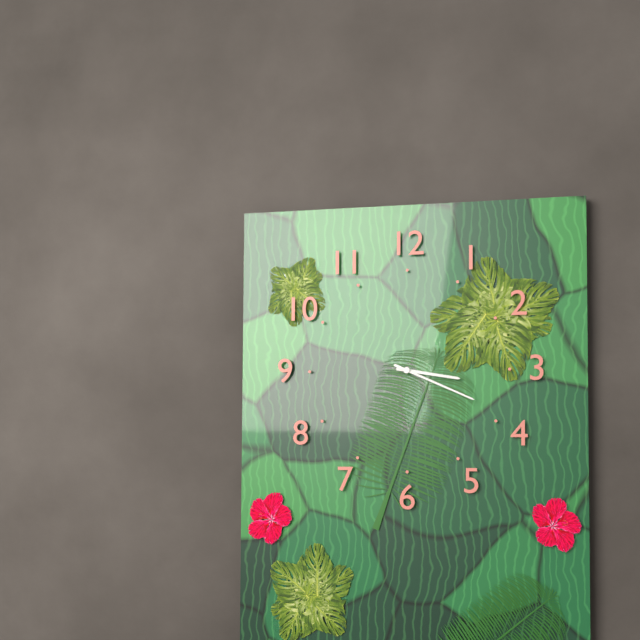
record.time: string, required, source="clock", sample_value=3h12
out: 3h19
